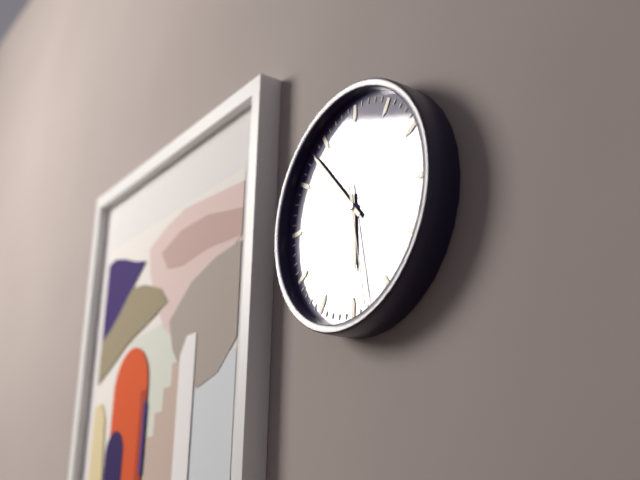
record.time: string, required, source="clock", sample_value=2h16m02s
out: 5h53m28s
